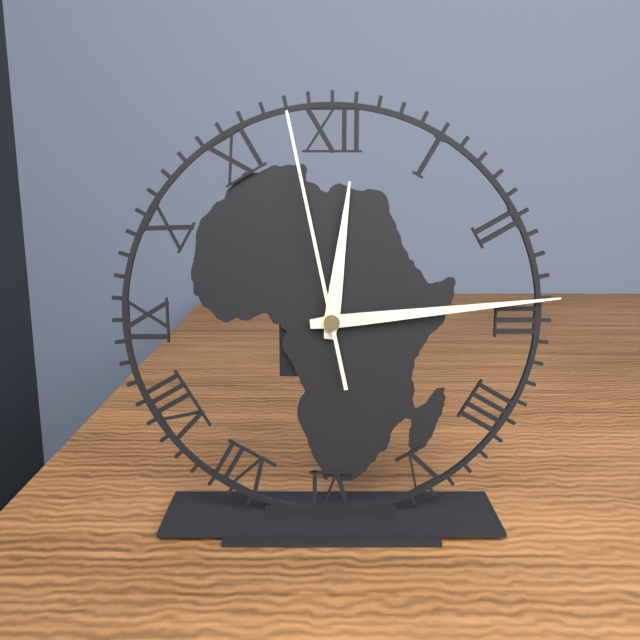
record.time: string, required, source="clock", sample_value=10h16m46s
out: 12h14m58s
